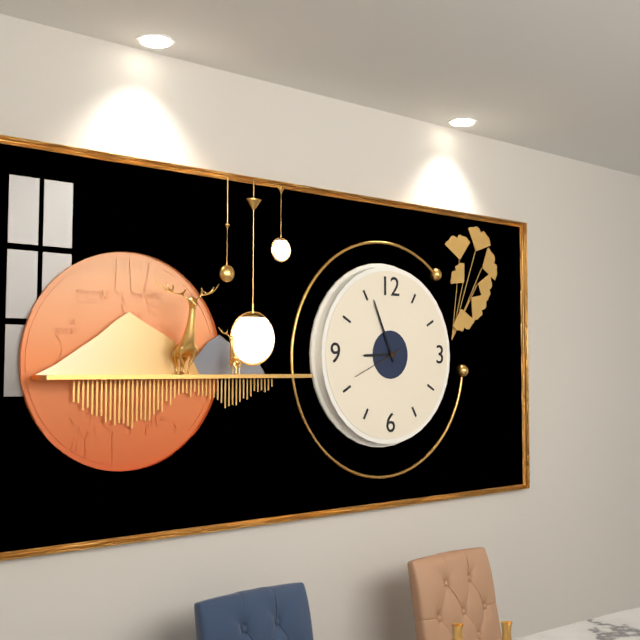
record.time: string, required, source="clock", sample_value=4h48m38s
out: 8h56m41s
